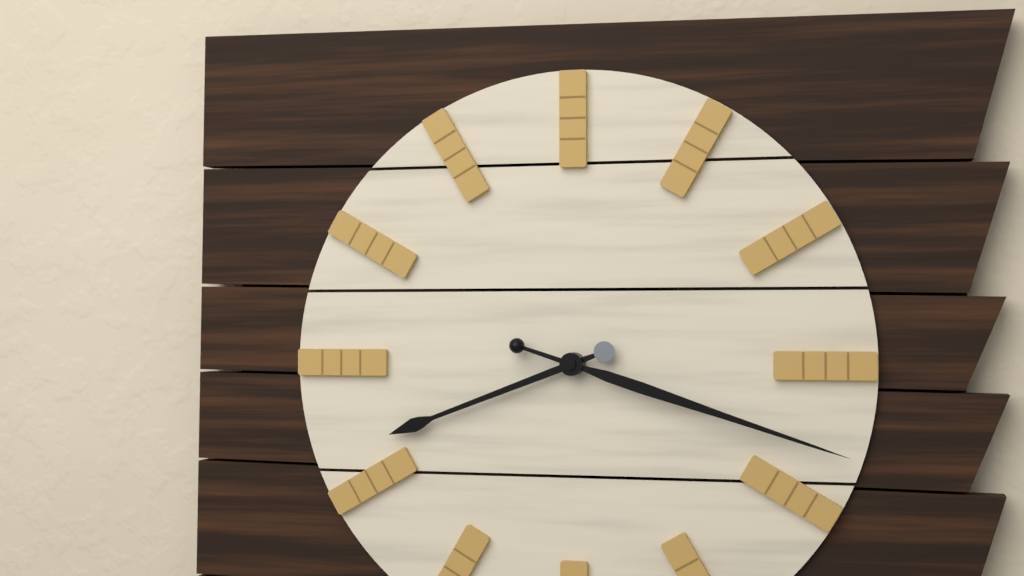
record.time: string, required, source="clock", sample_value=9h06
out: 8h18
